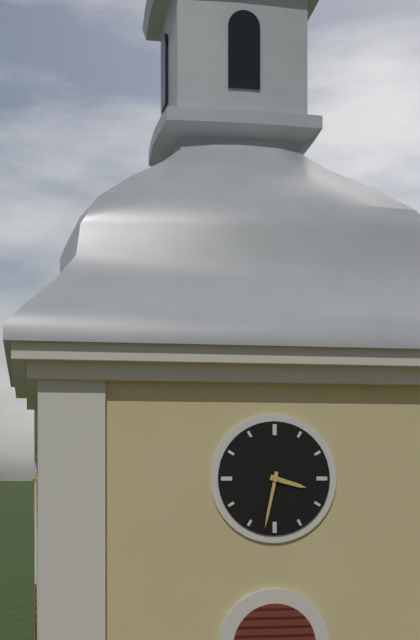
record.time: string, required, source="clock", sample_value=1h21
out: 3h32
